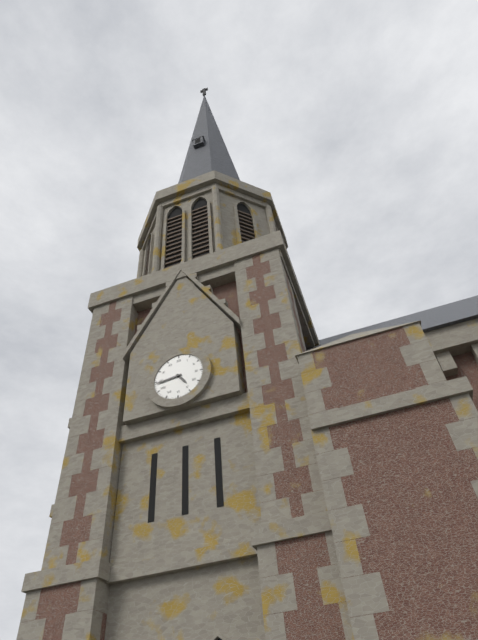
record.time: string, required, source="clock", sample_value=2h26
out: 4h44
